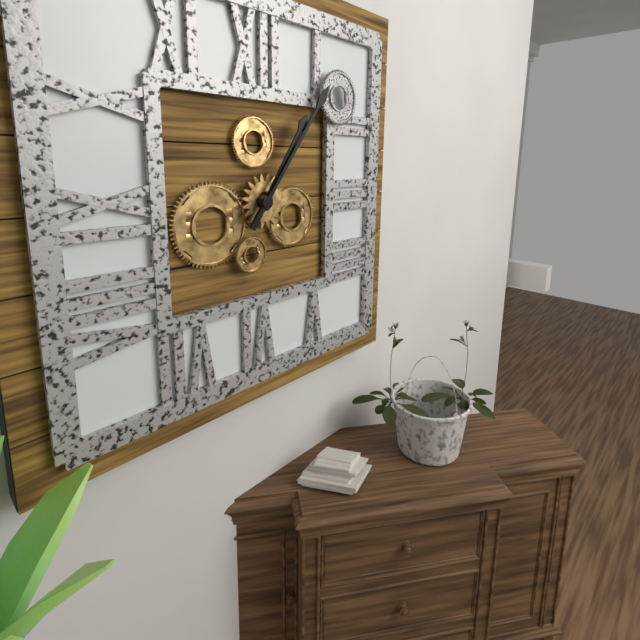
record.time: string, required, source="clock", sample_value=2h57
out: 1h06
